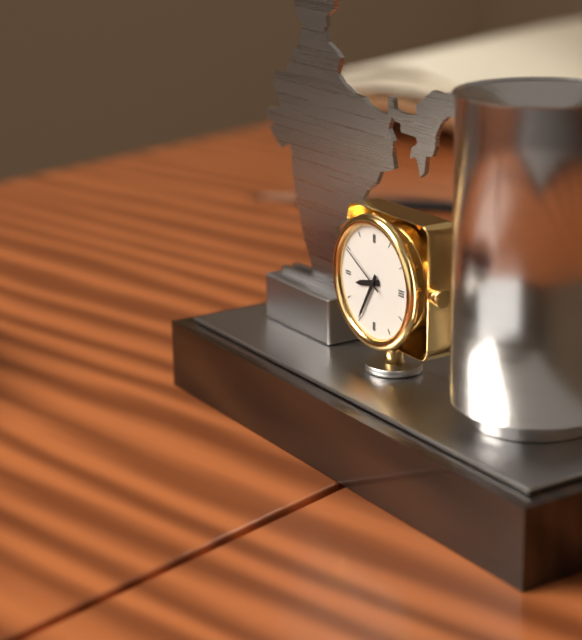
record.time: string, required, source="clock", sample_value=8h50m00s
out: 8h35m50s
